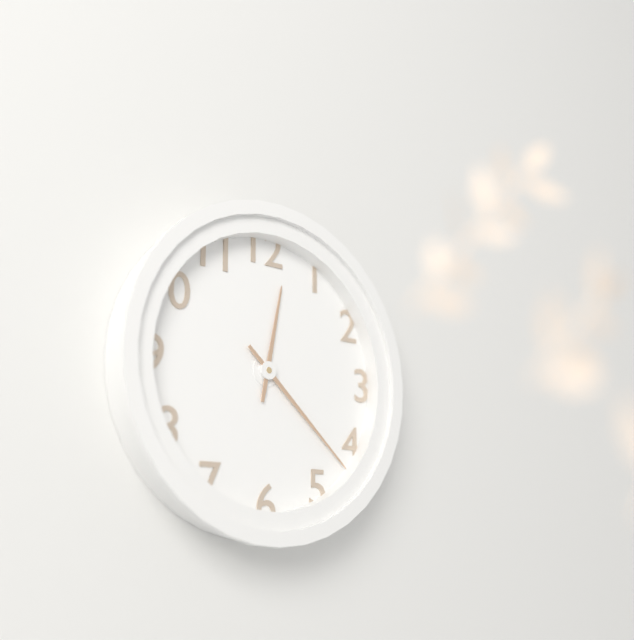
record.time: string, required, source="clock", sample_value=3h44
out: 12h22
